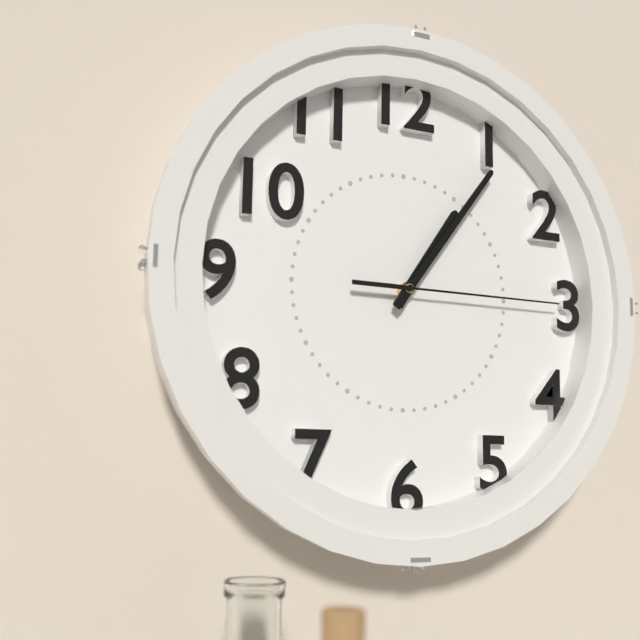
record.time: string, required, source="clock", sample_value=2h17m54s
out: 1h06m15s
